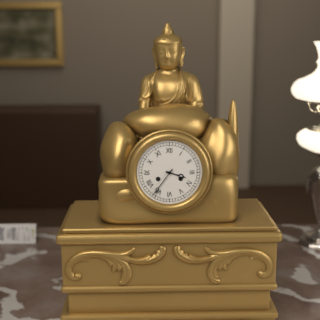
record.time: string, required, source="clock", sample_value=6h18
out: 3h36
